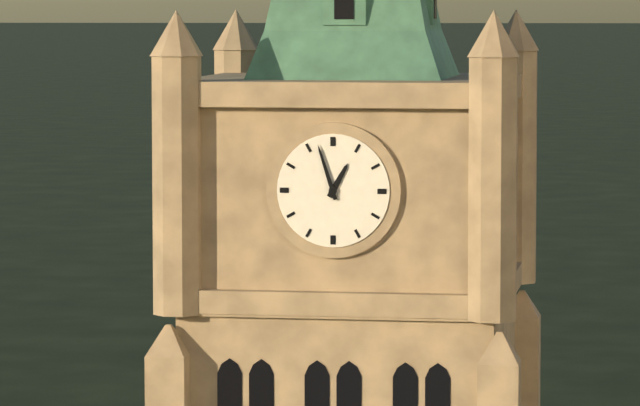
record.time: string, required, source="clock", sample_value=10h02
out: 12h57
